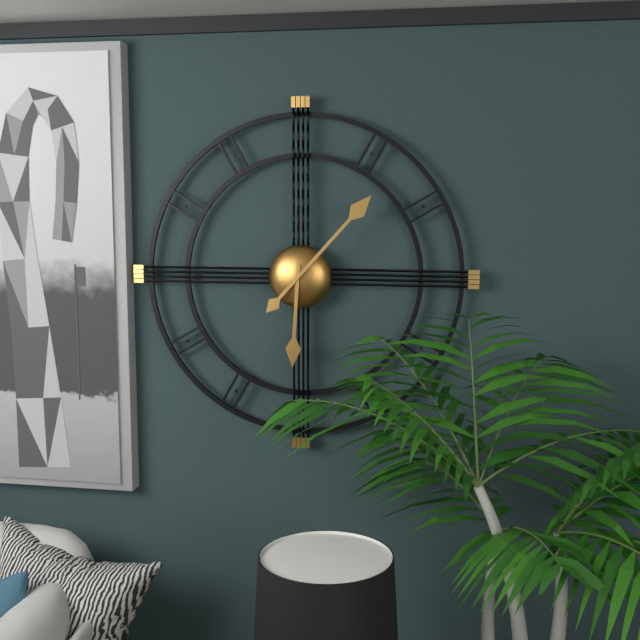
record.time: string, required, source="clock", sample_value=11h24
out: 6h07
